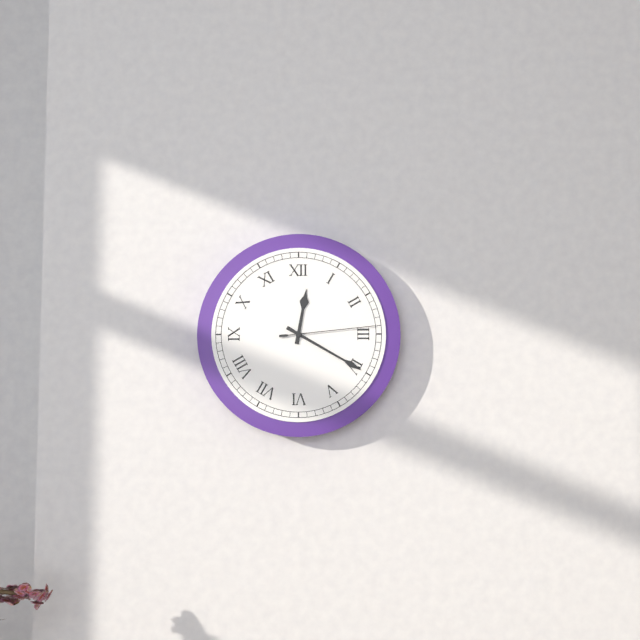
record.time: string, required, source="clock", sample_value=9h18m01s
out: 12h20m14s
